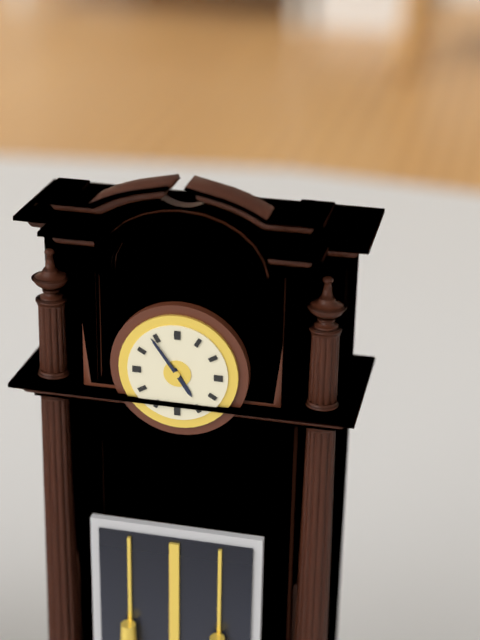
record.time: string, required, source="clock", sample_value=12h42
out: 4h54
